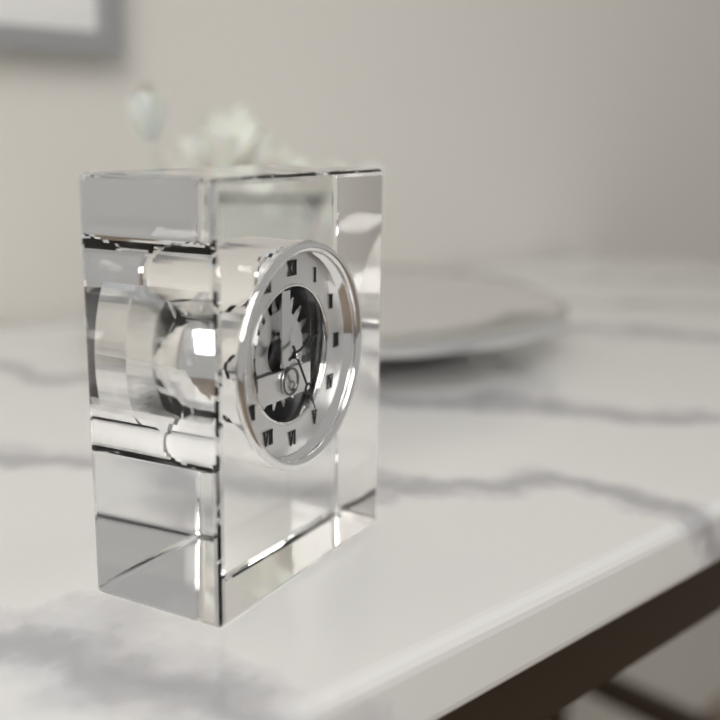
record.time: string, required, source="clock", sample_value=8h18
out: 2h25
